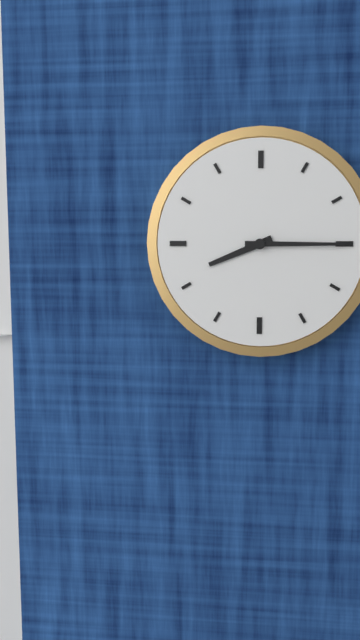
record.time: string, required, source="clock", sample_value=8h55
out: 8h15
